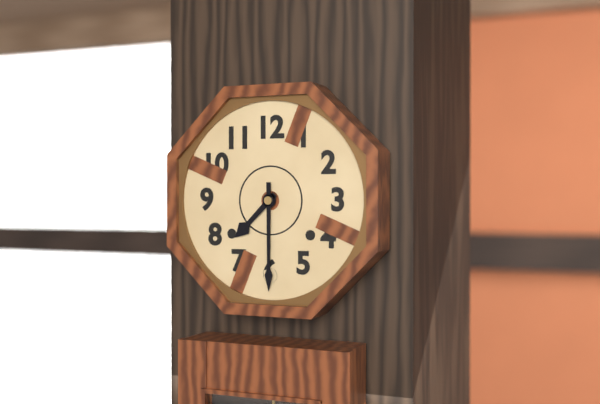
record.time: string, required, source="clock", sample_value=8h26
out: 7h30
